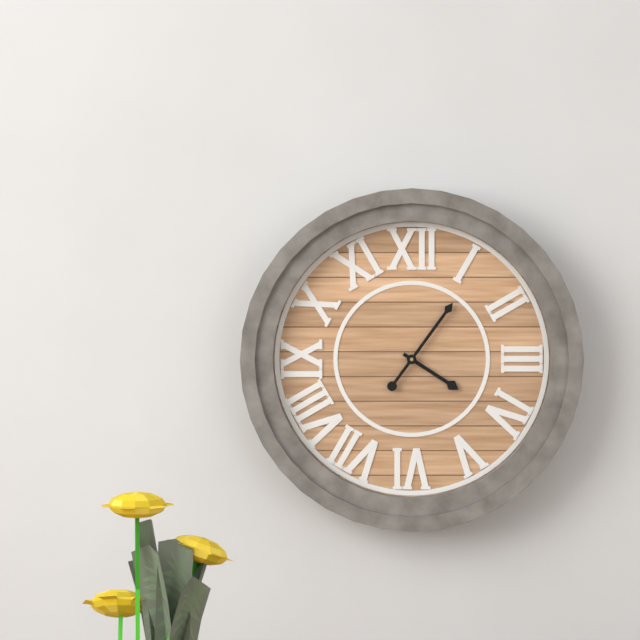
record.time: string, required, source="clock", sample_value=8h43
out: 4h06
